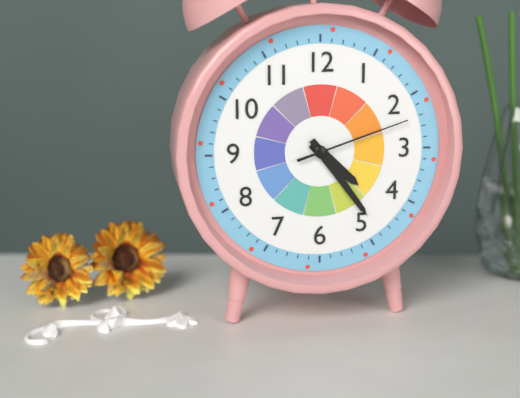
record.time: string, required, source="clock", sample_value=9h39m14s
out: 4h24m12s
